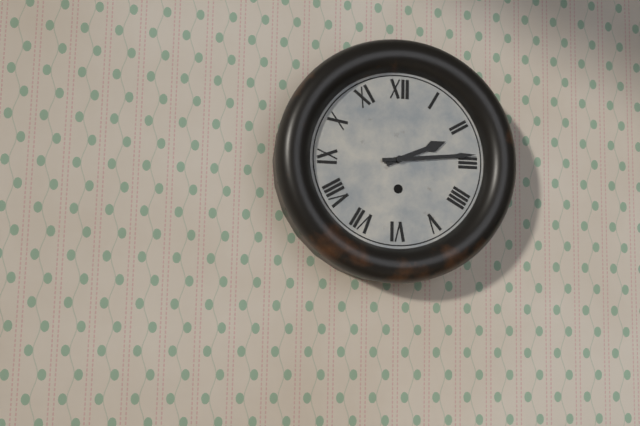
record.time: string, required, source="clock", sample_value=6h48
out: 2h14
